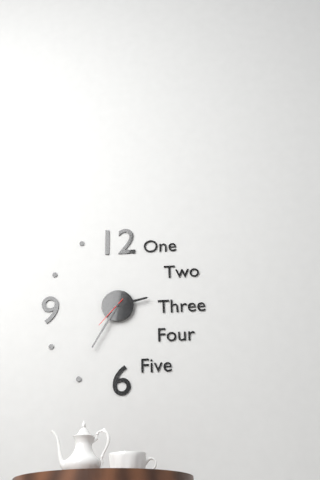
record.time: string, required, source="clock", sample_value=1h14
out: 2h35
